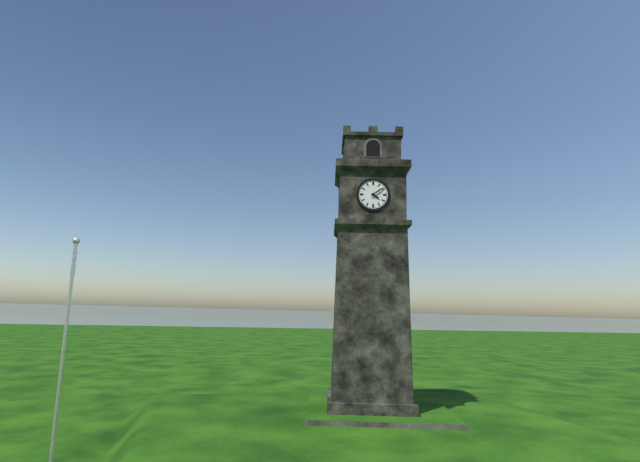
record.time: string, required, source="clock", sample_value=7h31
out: 4h09
